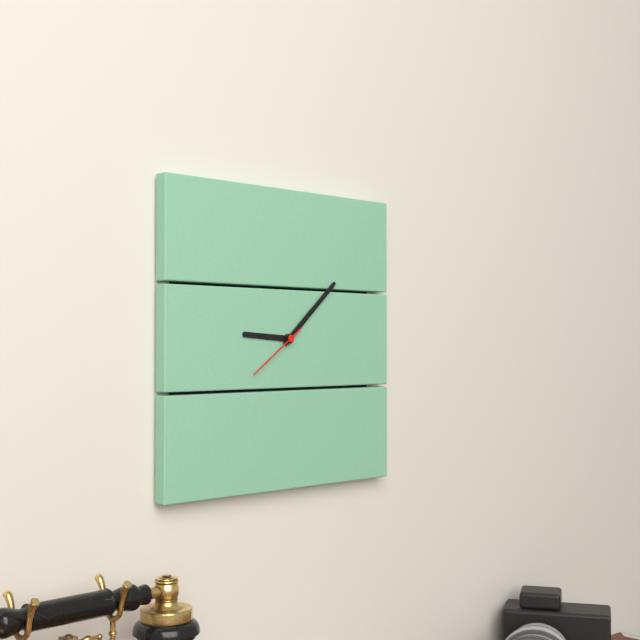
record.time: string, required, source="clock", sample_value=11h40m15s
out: 9h08m39s
